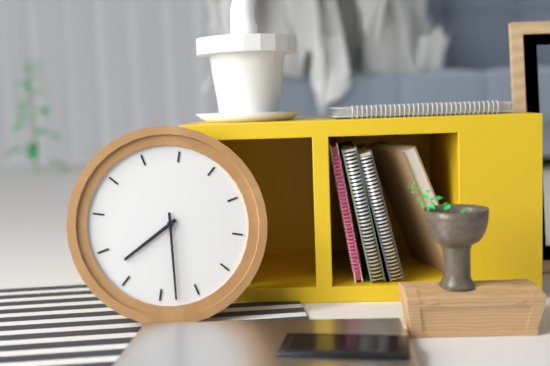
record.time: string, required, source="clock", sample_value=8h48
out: 7h28
